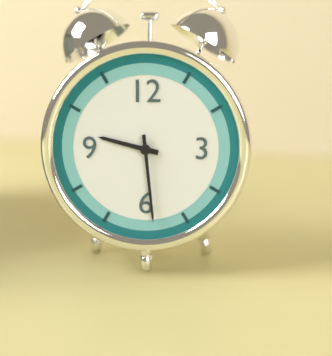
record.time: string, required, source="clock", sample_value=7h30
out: 9h29
